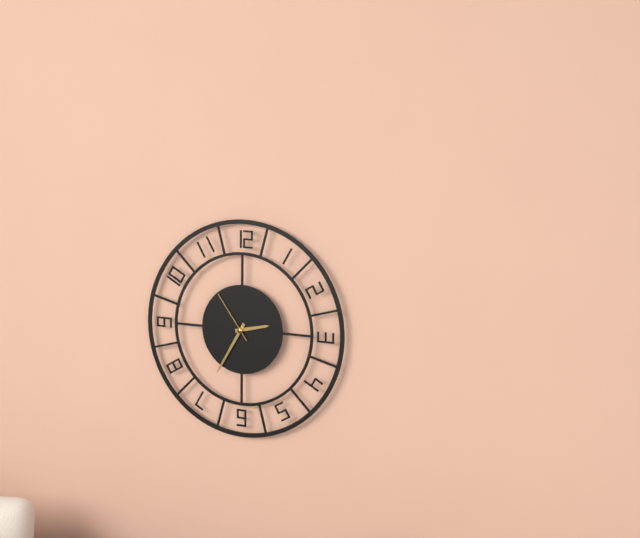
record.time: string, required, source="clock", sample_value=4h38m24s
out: 2h35m54s
